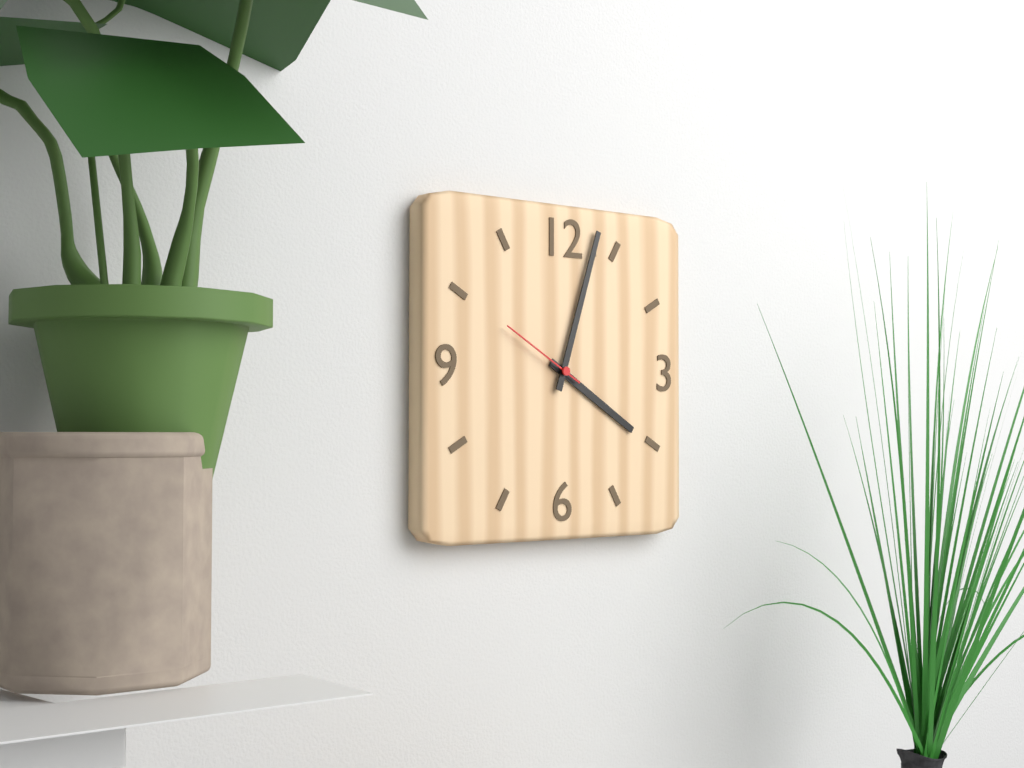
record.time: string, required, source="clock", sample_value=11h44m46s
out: 4h03m50s
